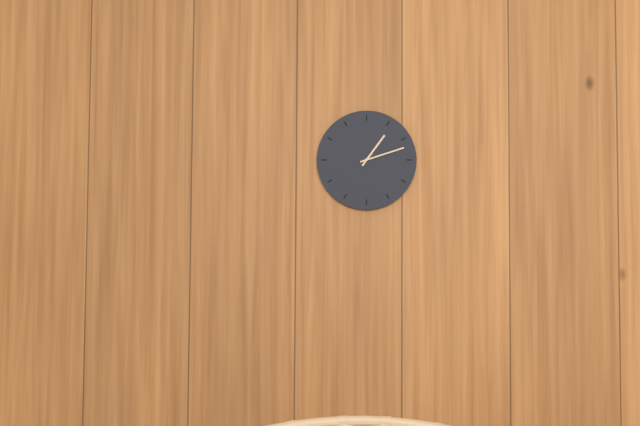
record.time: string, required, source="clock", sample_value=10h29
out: 1h12
